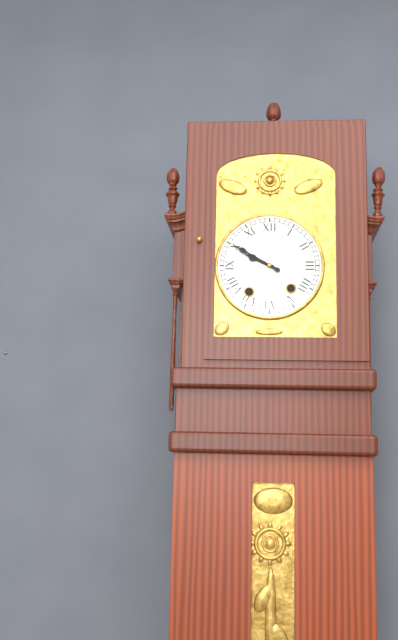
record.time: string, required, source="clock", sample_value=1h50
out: 9h50
